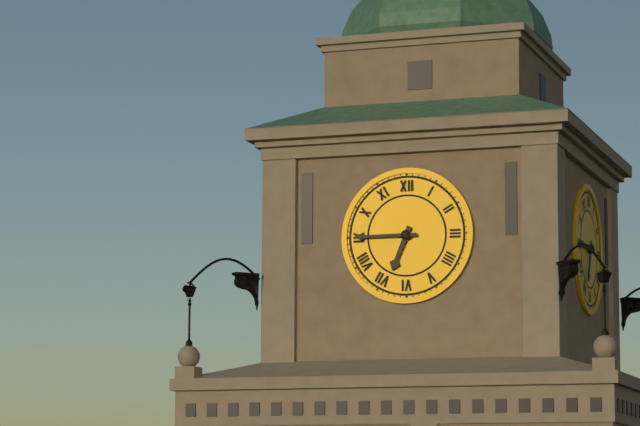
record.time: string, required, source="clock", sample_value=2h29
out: 6h45
